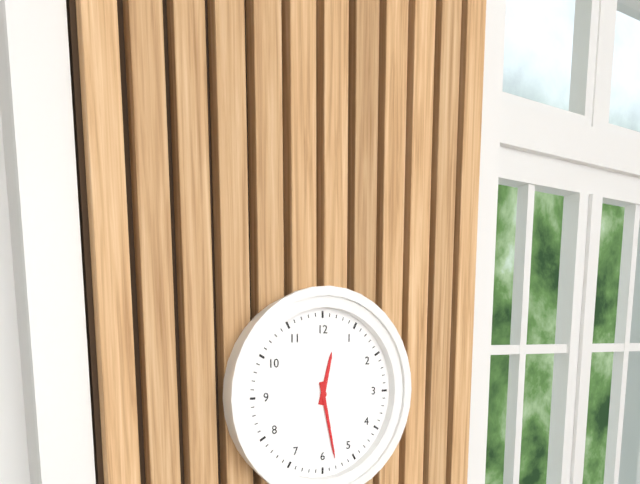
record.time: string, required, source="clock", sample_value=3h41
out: 12h28
